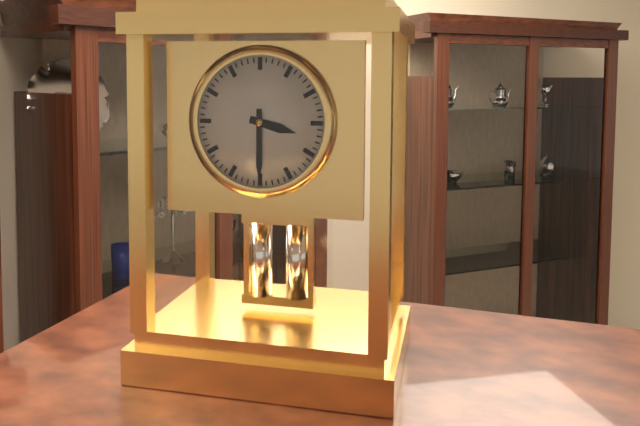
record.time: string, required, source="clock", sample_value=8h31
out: 3h30
